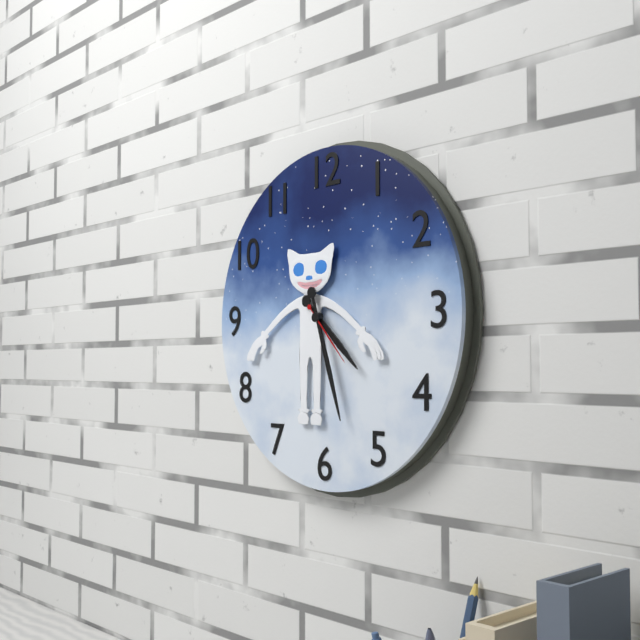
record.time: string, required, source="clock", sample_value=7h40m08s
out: 4h27m23s
